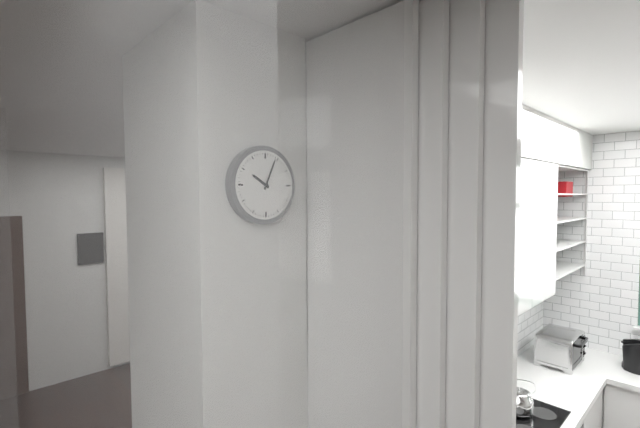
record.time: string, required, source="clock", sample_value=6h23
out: 10h04
